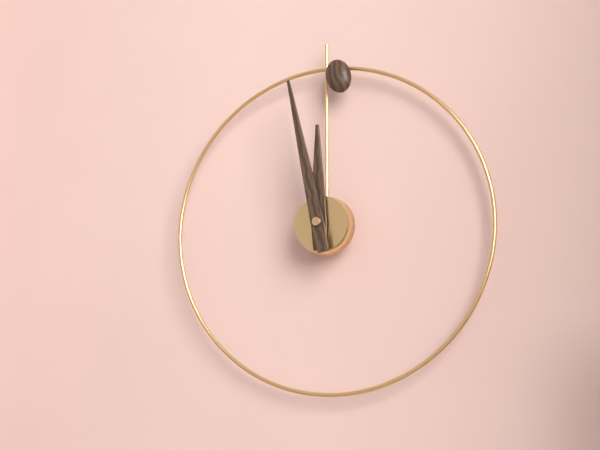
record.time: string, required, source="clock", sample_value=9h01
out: 11h58
